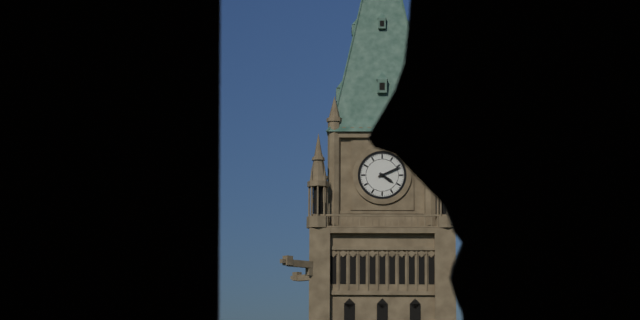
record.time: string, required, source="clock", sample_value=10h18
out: 4h11
